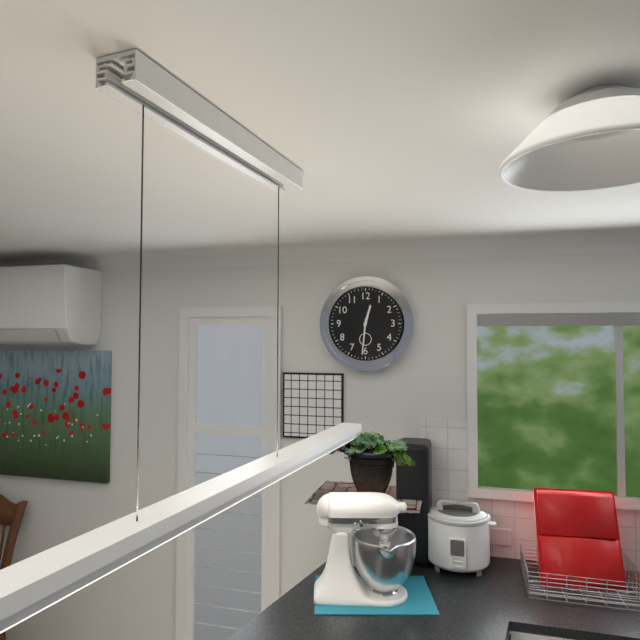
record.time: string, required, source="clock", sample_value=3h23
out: 12h31
